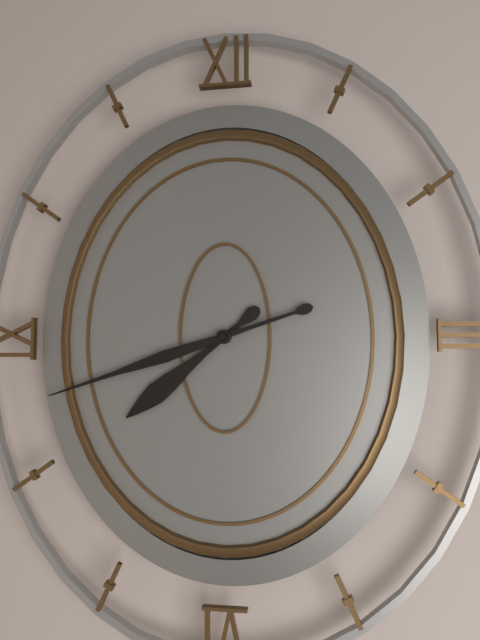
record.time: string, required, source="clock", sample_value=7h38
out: 7h42
